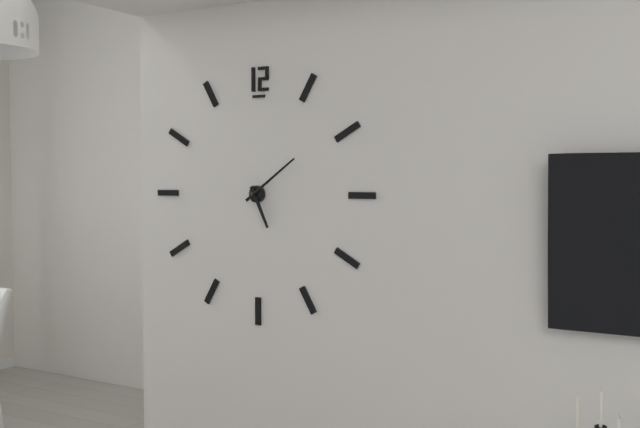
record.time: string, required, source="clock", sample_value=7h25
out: 5h09
